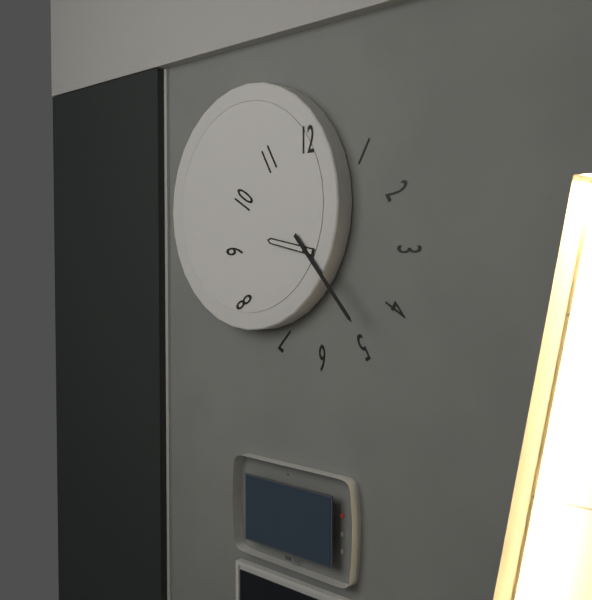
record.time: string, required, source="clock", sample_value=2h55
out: 9h23
